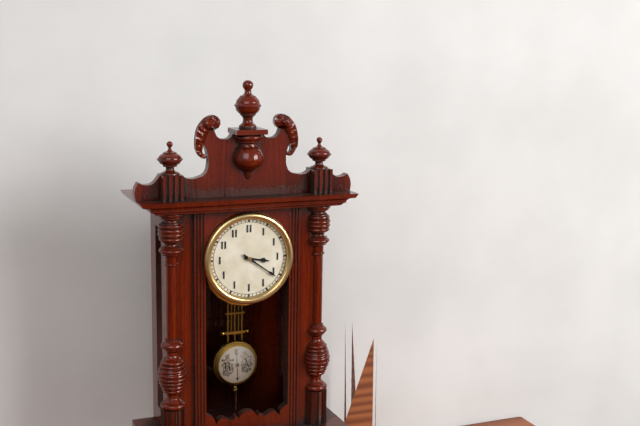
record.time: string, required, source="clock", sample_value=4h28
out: 3h21
